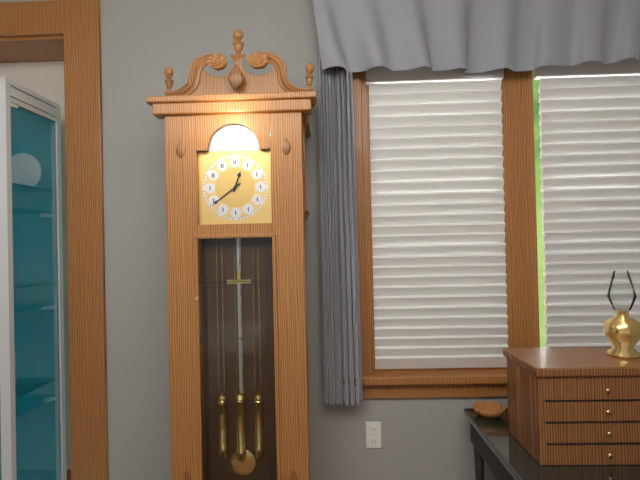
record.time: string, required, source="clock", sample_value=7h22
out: 12h39
